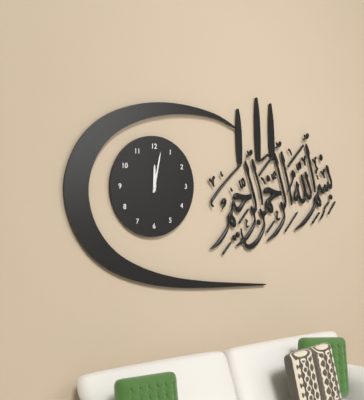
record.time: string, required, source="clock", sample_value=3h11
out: 12h02
